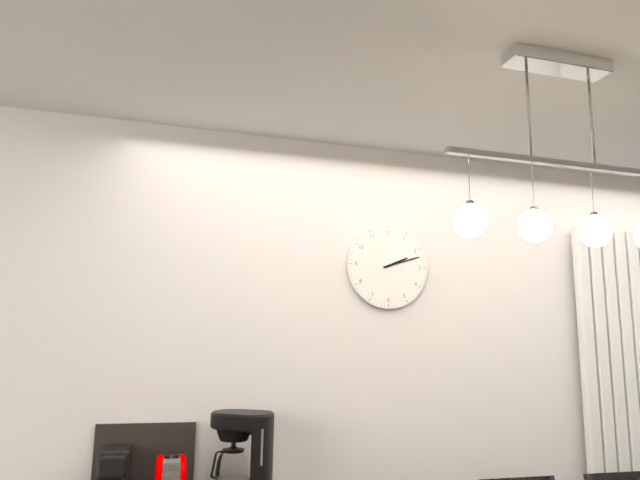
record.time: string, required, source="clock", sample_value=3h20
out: 2h12
